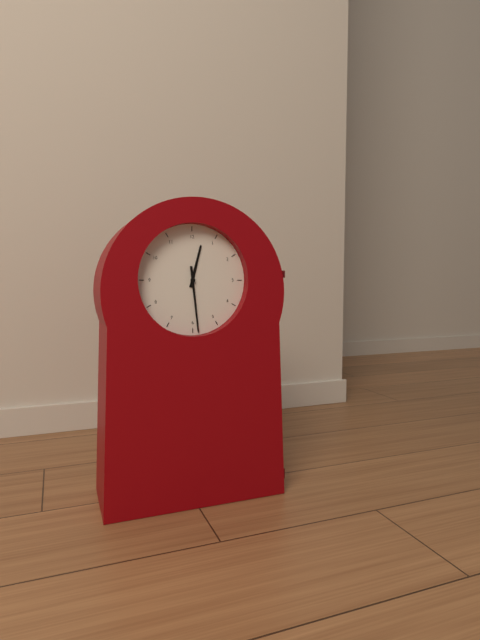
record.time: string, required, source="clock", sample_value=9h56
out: 12h29
